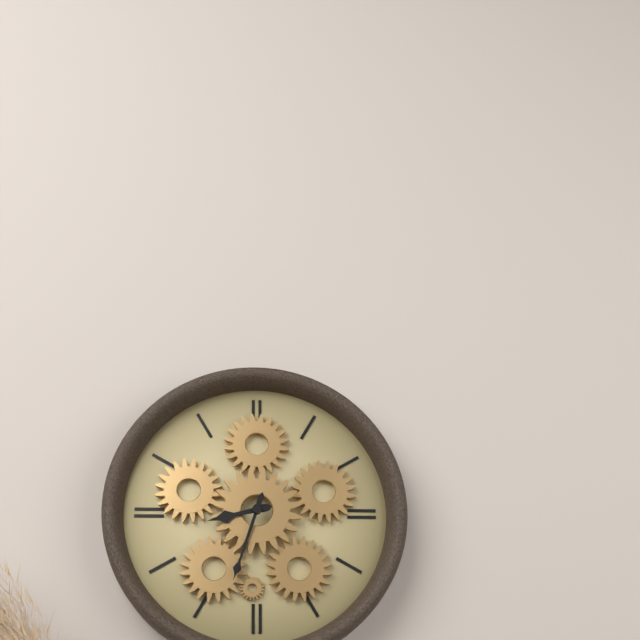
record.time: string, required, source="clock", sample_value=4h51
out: 8h33
